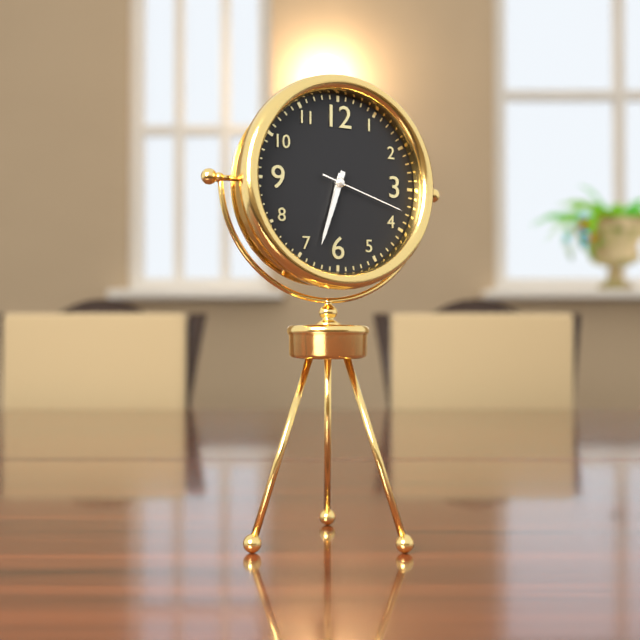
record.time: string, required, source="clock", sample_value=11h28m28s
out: 6h33m18s
